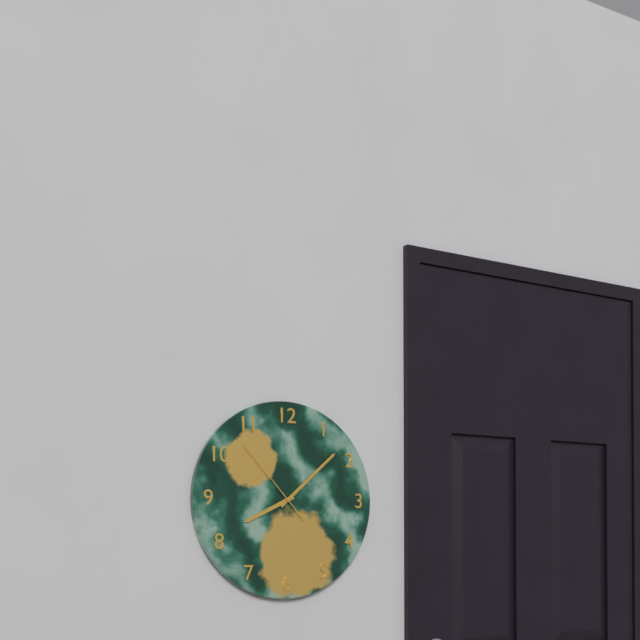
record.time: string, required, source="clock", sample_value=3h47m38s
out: 8h08m53s
